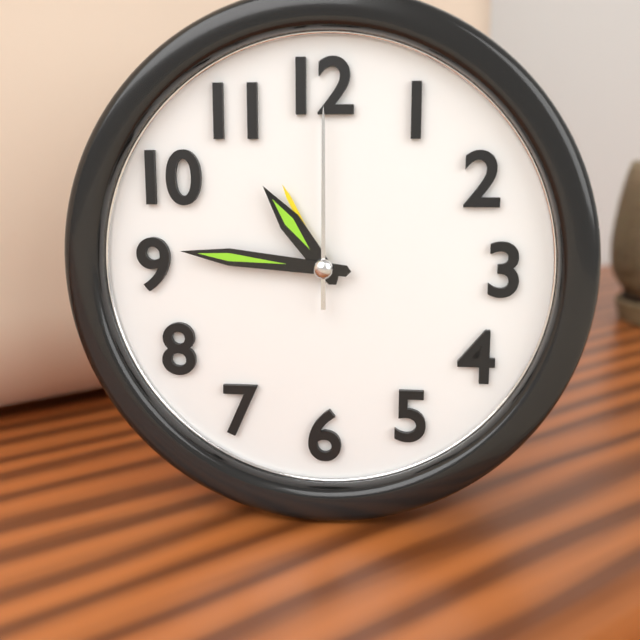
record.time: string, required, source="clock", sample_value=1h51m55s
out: 10h46m00s
